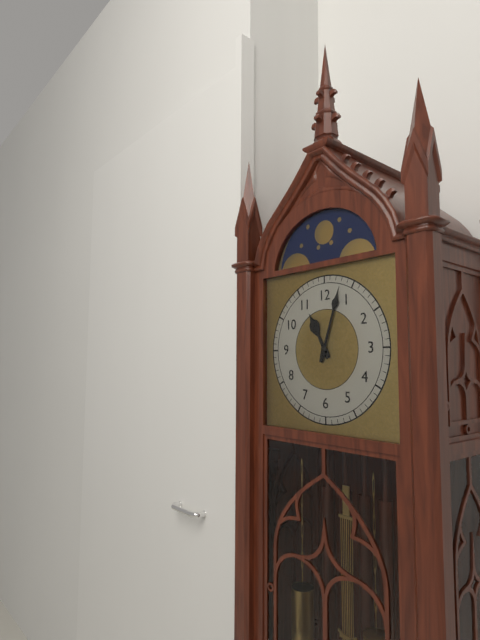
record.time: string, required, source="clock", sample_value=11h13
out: 11h03
